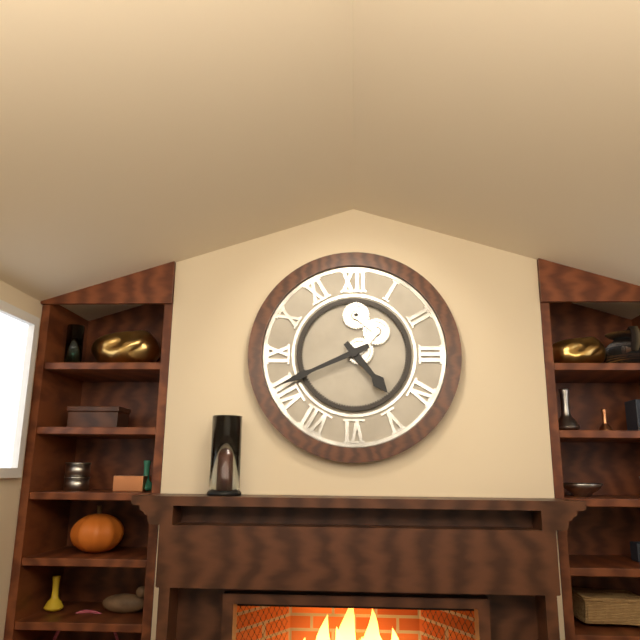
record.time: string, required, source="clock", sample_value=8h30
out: 4h41
